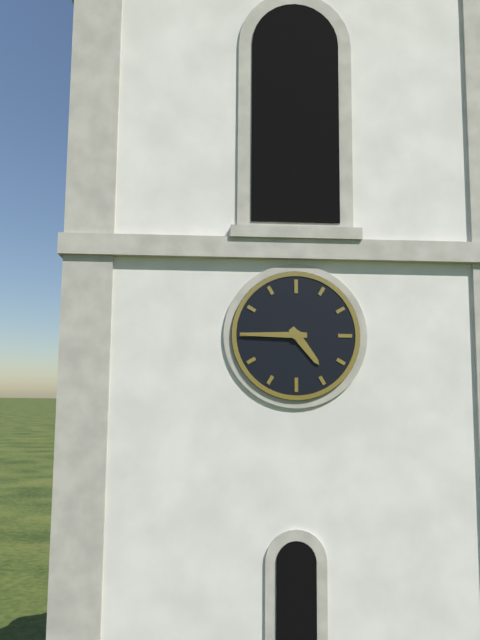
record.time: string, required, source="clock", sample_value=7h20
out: 4h45
